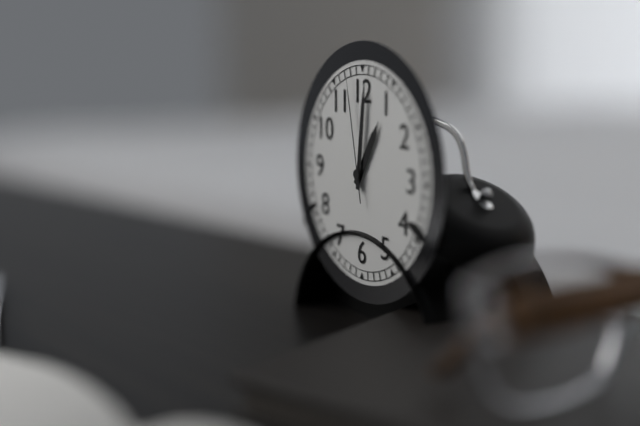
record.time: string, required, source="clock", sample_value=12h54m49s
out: 1h01m58s
